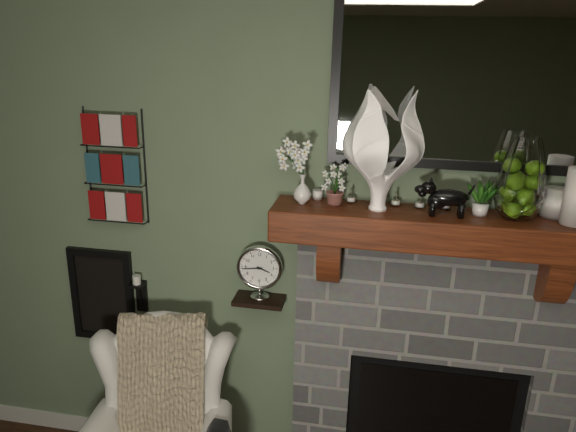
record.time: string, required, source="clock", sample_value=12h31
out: 3h44
